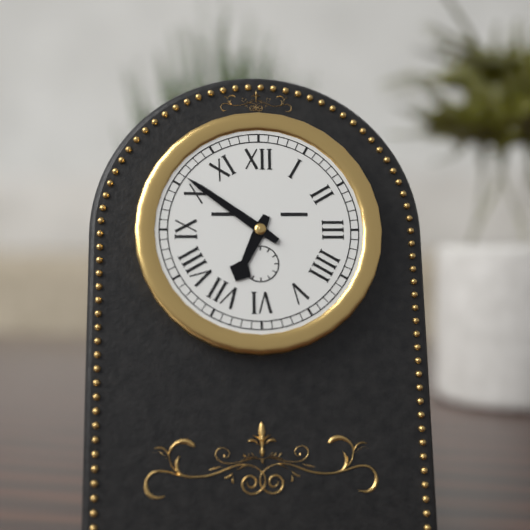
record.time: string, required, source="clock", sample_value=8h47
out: 6h51
